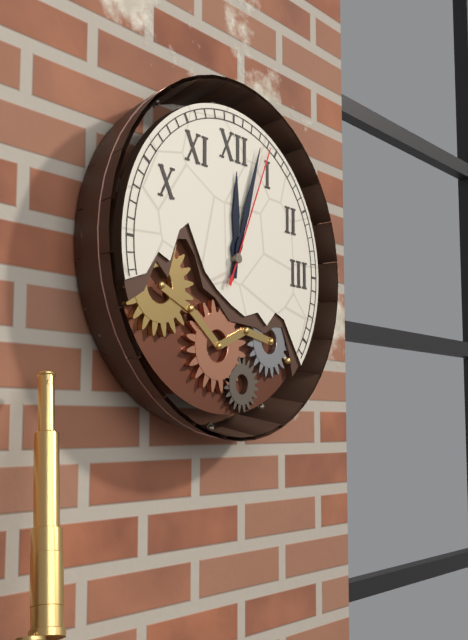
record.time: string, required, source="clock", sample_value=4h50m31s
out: 12h03m04s
